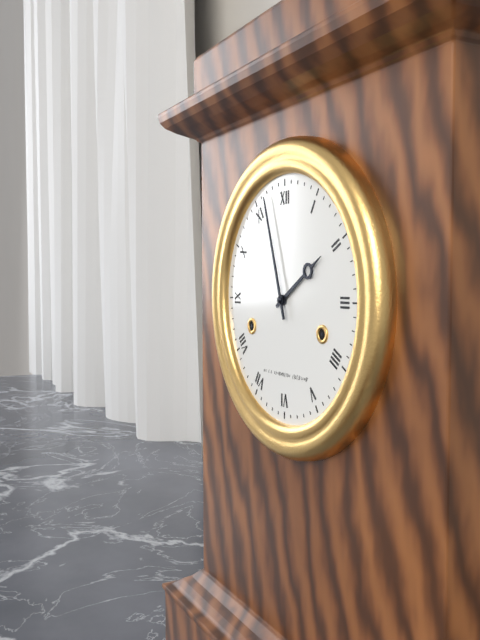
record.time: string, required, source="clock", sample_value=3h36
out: 1h57
